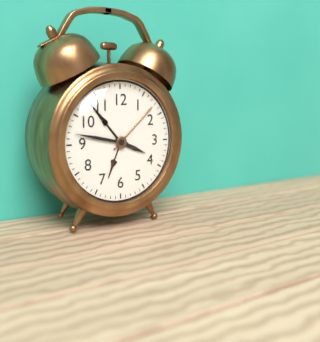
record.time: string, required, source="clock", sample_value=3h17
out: 3h47
